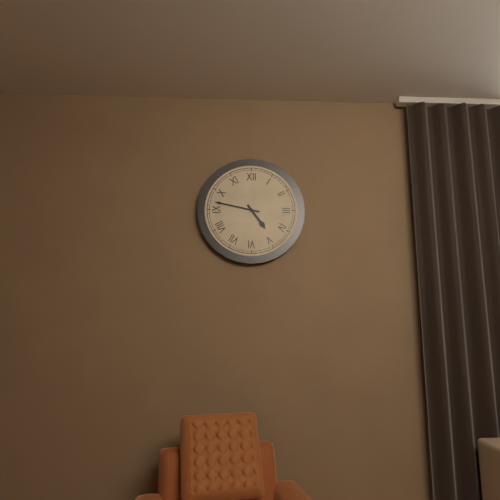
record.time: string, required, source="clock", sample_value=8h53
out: 4h47
